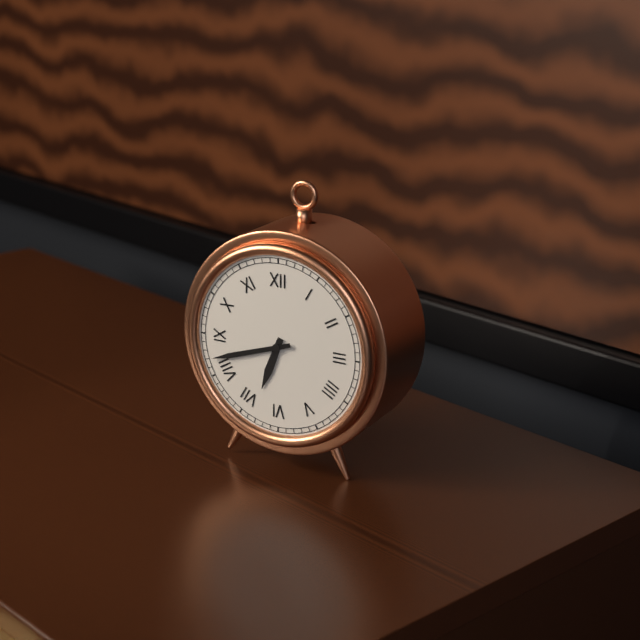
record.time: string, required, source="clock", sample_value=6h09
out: 6h42
